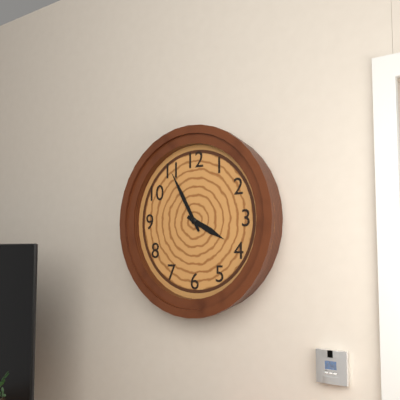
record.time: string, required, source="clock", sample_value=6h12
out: 3h55
